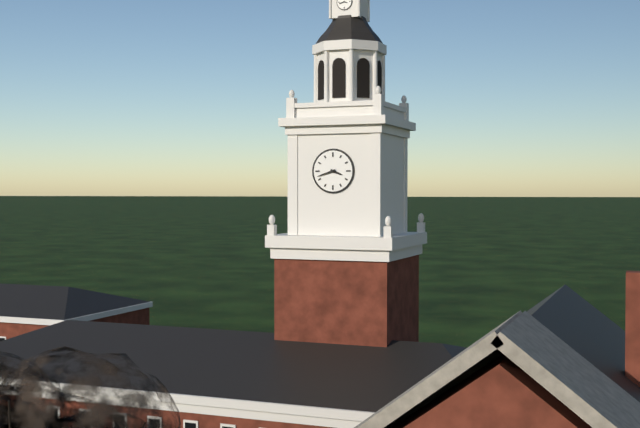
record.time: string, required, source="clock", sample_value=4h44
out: 3h42
